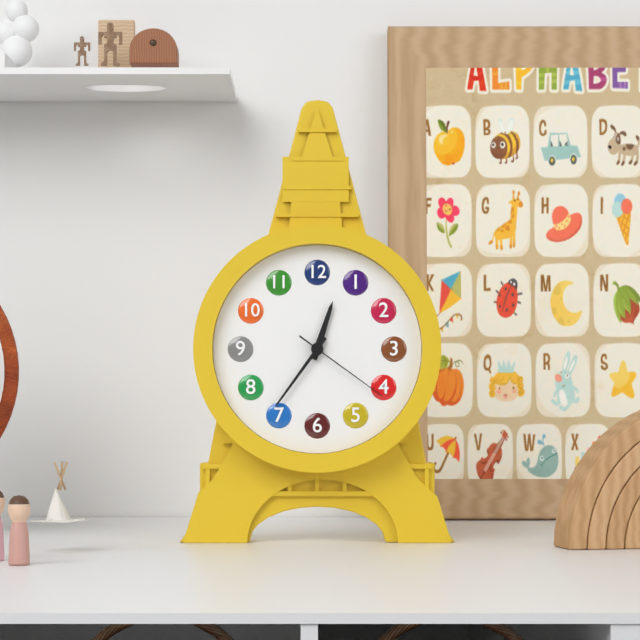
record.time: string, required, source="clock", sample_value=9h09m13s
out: 12h36m21s
